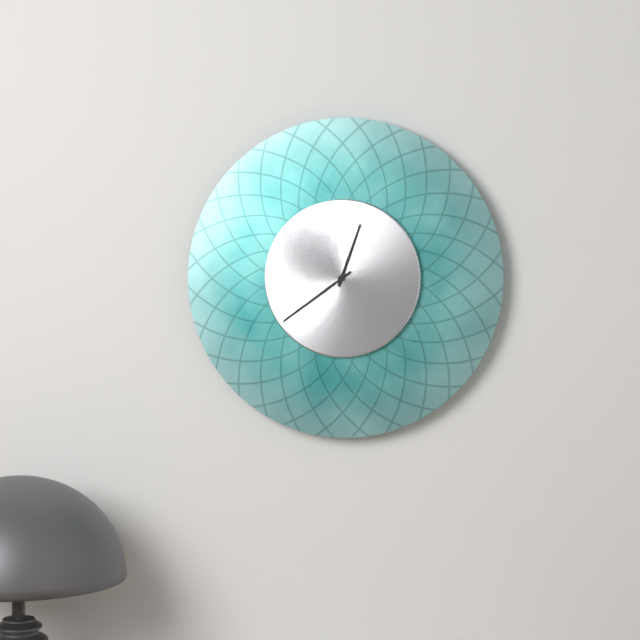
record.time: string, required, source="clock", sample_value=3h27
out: 12h39
